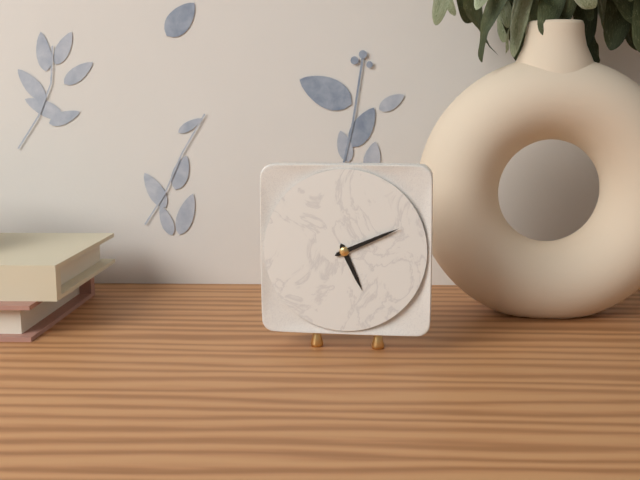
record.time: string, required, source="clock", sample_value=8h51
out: 5h11
